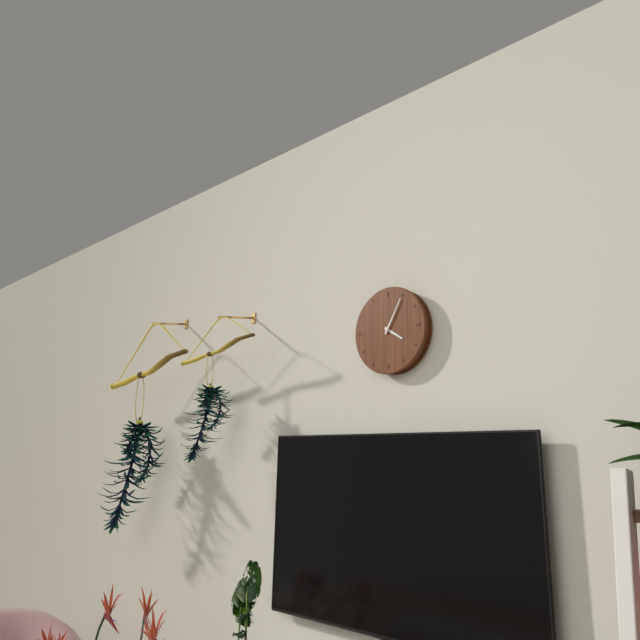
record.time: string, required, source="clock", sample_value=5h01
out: 4h05
